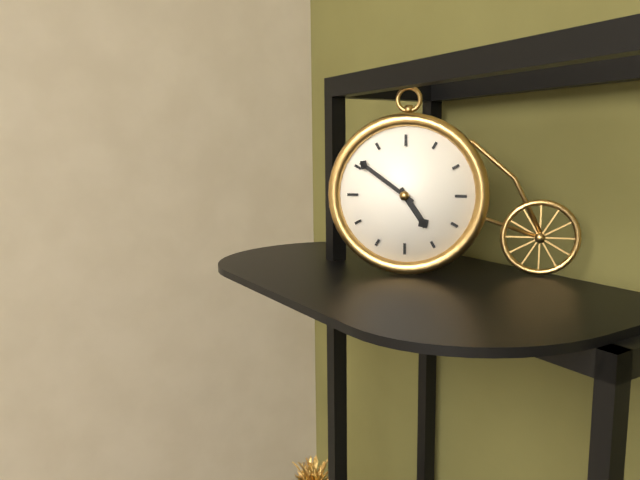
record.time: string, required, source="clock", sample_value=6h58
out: 4h51
